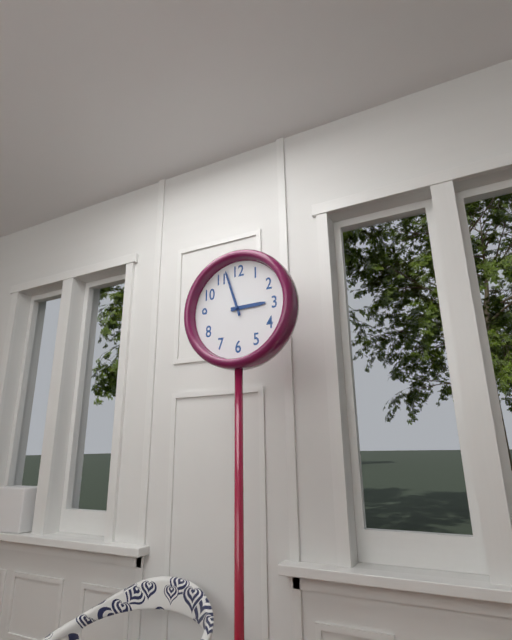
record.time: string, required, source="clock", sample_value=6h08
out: 2h57
